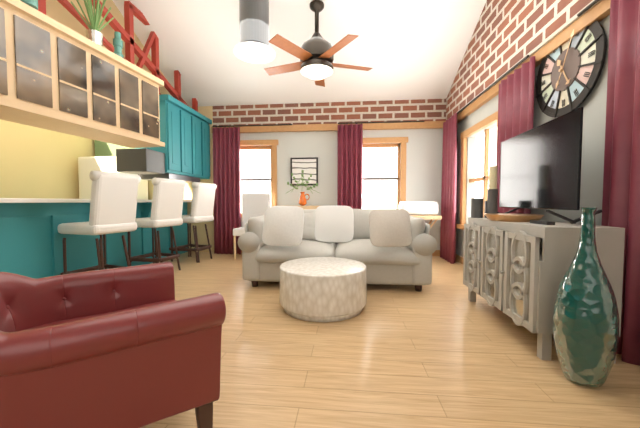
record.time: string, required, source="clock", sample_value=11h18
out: 5h04
